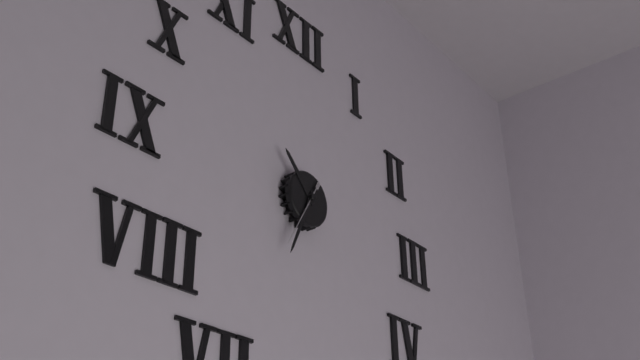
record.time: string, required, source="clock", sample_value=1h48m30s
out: 10h34m35s
